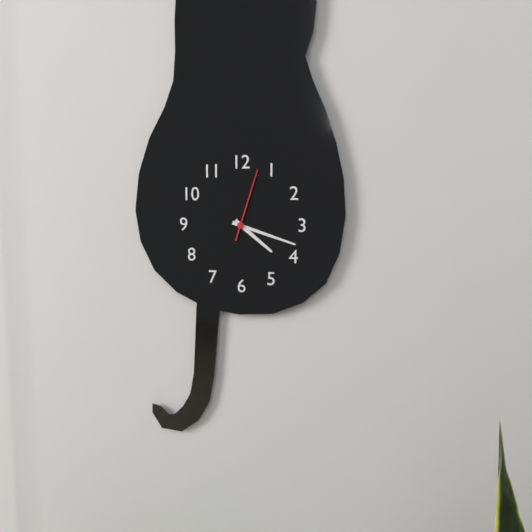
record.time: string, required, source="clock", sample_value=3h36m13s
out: 4h18m03s
